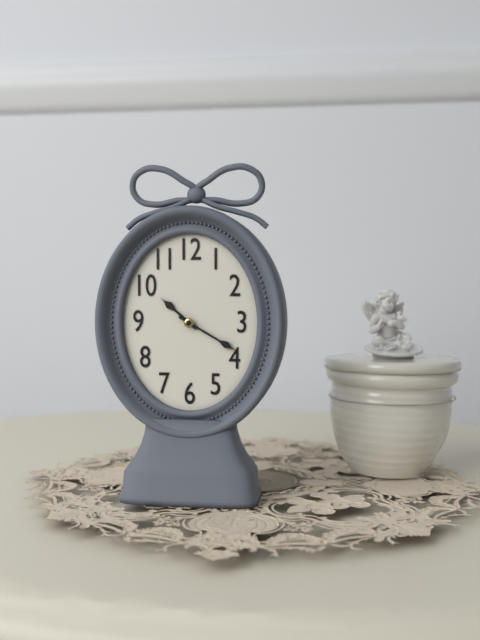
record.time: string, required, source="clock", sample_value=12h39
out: 10h20
